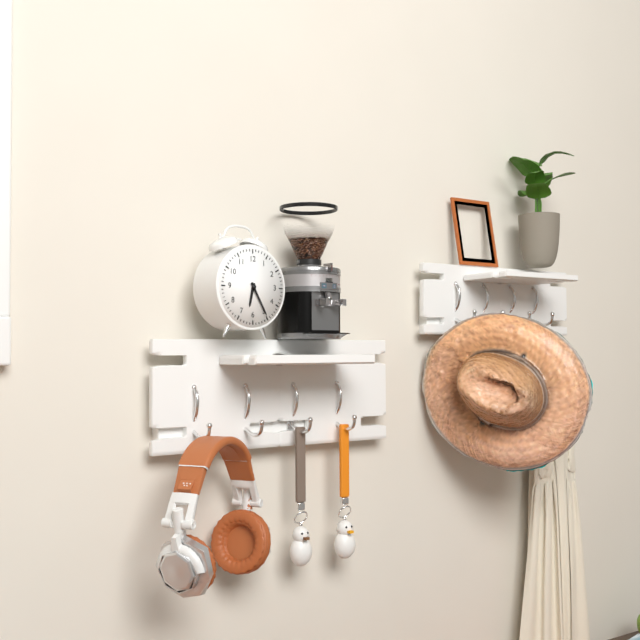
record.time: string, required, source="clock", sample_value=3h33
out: 6h25
